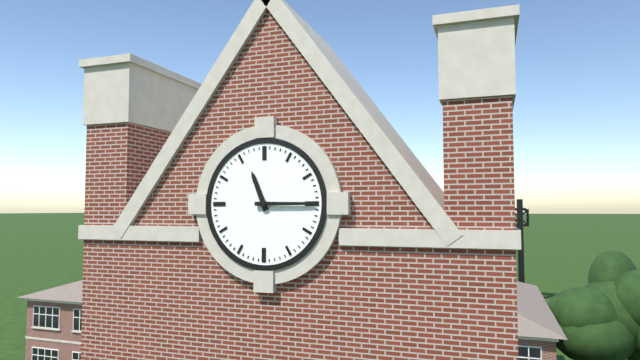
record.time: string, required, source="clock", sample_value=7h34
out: 11h15
